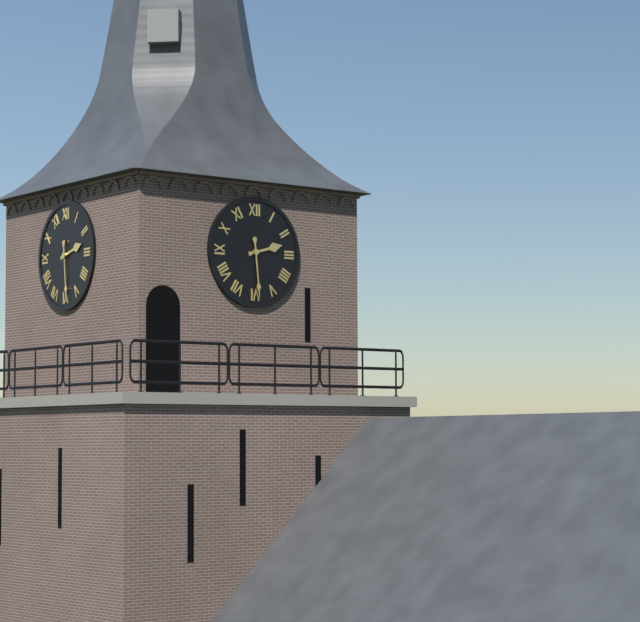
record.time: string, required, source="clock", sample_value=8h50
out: 2h29
